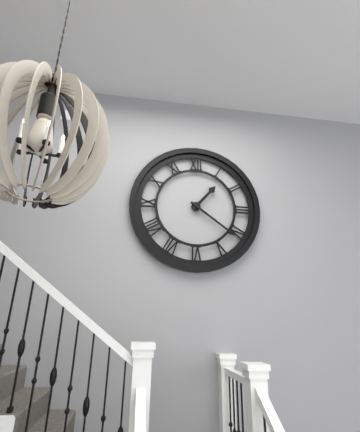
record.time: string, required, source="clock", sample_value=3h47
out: 1h21
